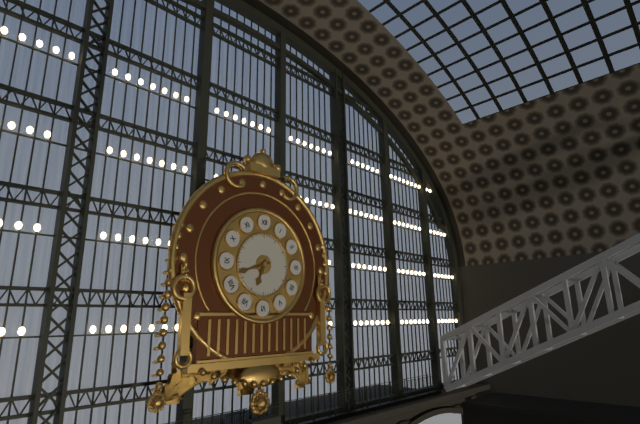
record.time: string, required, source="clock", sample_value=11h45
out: 6h42
